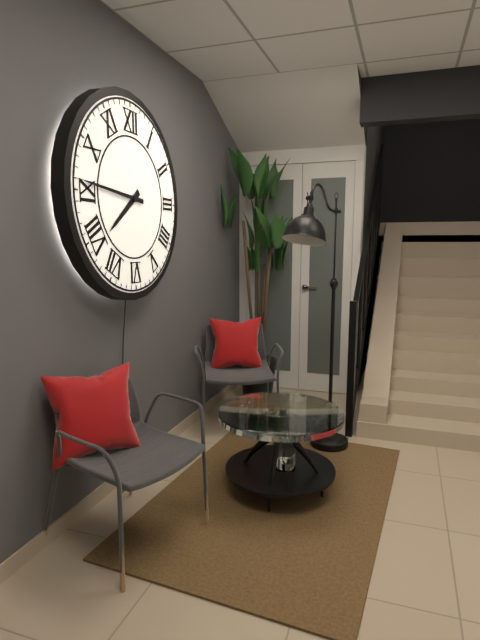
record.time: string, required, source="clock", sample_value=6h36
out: 7h46
